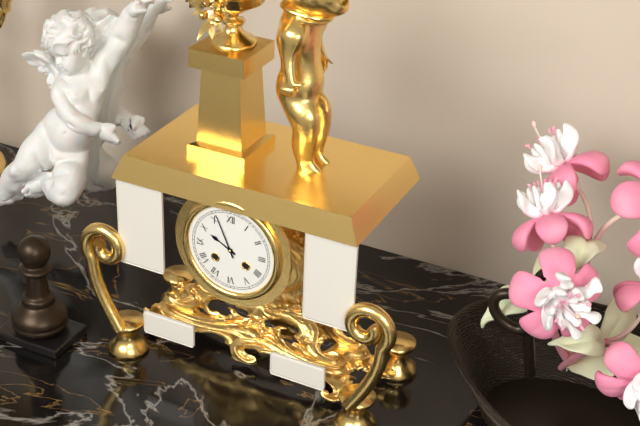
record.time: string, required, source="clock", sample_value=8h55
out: 9h56
